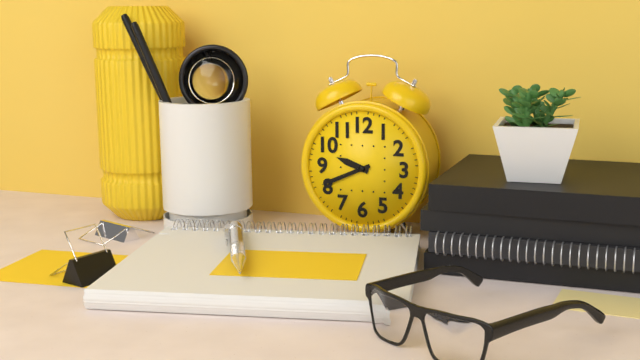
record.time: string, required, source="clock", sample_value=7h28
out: 9h41
